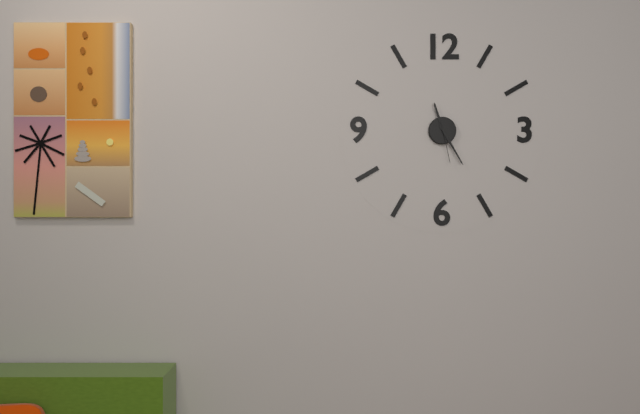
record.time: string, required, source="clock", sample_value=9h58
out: 11h25
